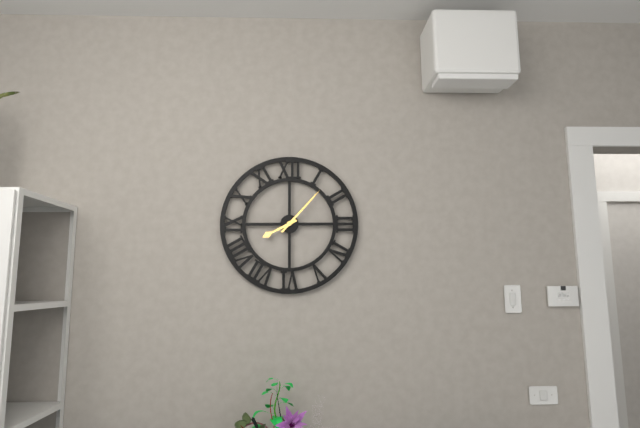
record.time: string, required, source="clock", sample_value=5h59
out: 8h07
